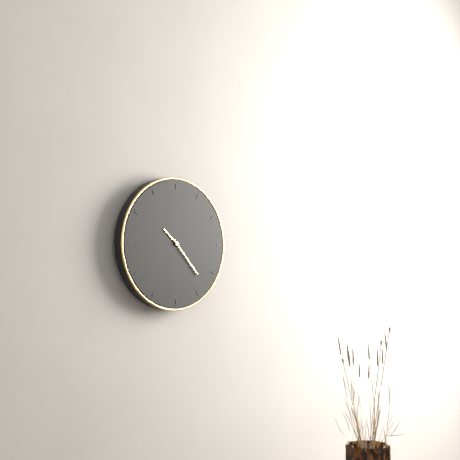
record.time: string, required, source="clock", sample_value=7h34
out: 10h23
